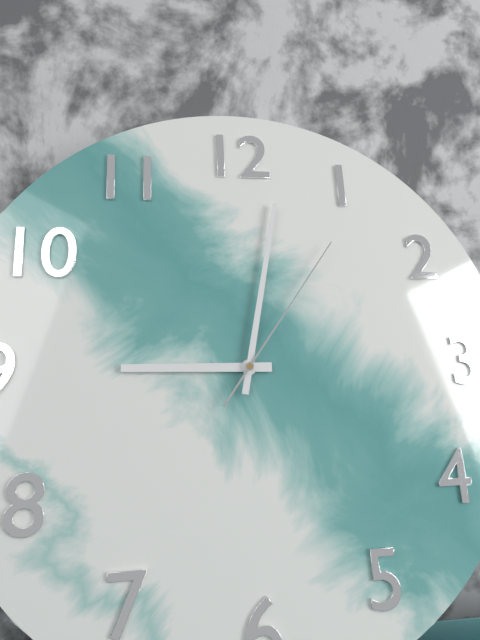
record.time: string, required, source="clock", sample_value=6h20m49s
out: 9h02m06s
